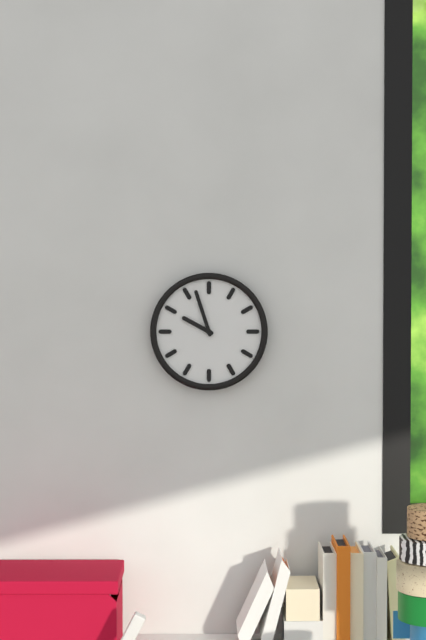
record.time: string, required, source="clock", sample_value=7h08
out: 9h57
